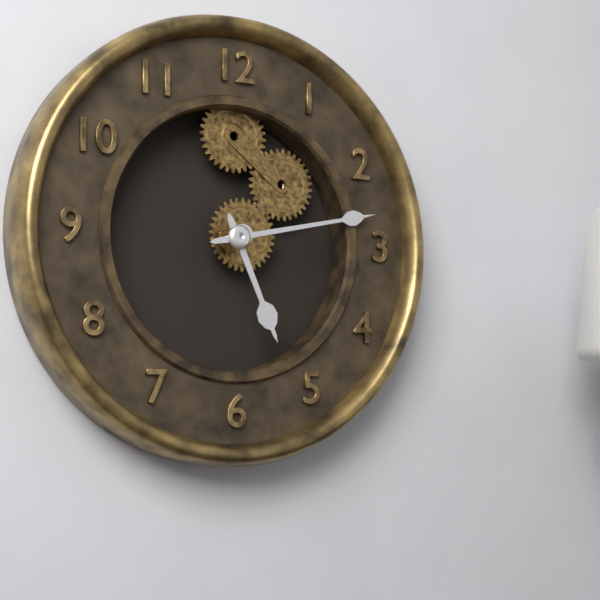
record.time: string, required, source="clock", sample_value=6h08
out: 5h13
